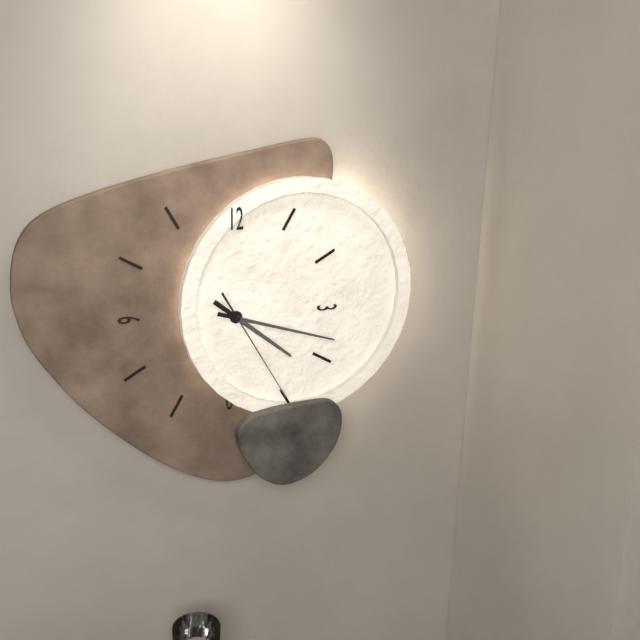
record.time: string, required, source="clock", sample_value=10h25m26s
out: 4h18m25s
